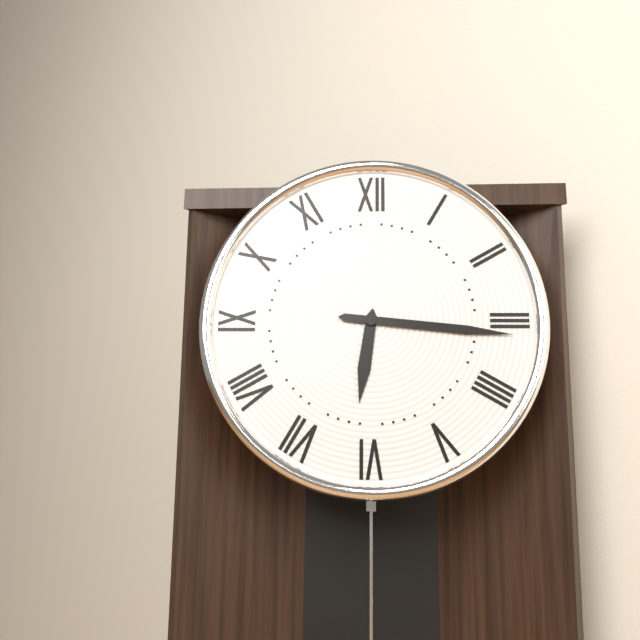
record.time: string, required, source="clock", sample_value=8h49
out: 6h16
